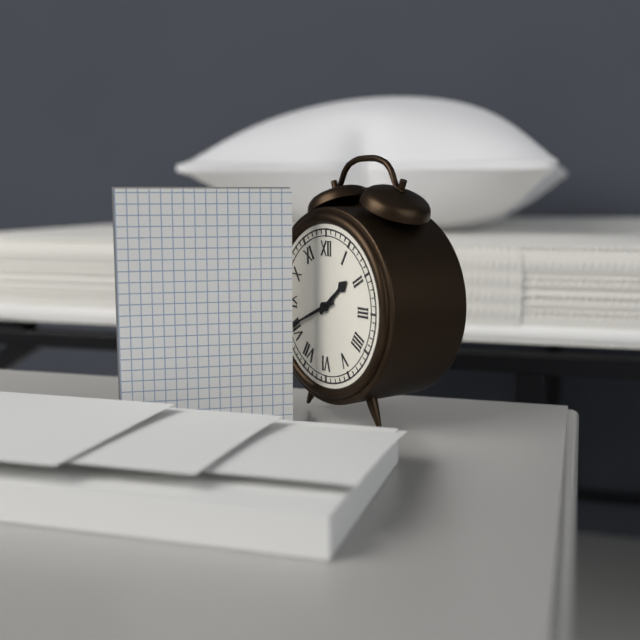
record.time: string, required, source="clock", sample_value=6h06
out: 1h41
